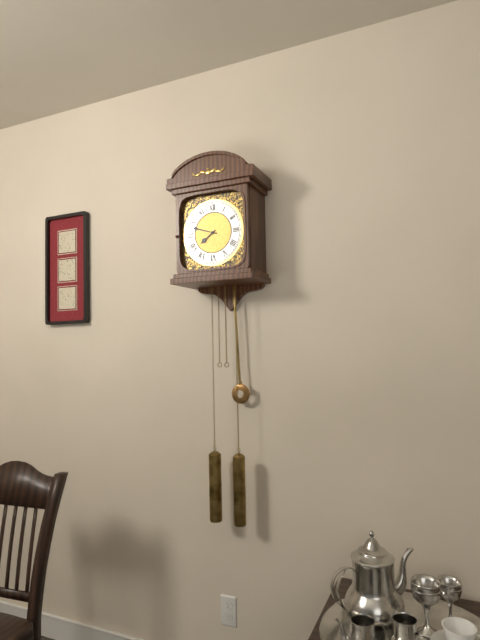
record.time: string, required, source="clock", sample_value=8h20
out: 7h48
